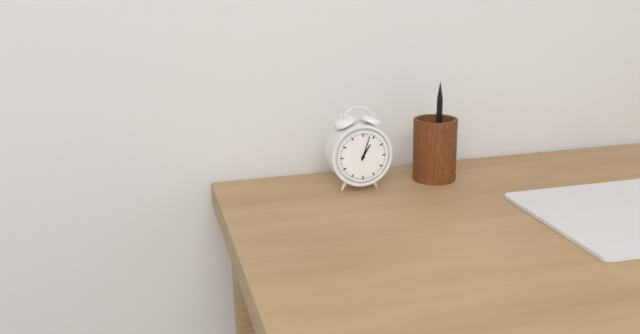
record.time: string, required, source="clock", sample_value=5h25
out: 1h03
